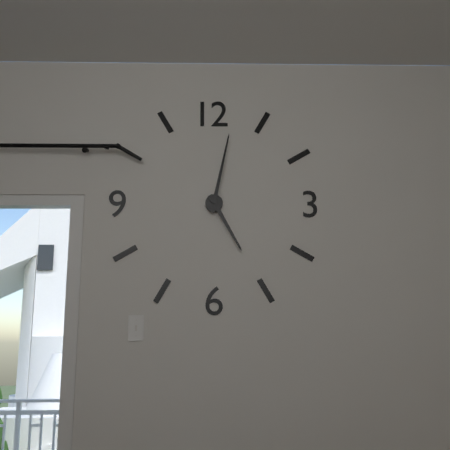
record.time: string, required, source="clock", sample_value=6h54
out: 5h02
